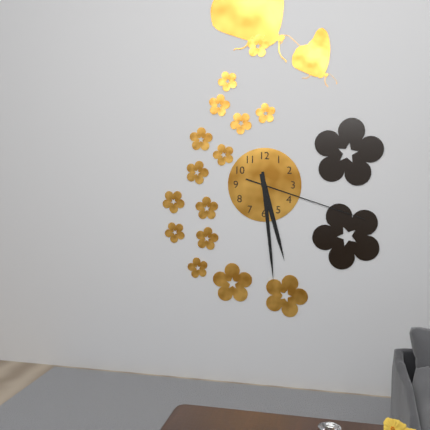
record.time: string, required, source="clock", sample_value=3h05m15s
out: 5h29m18s
